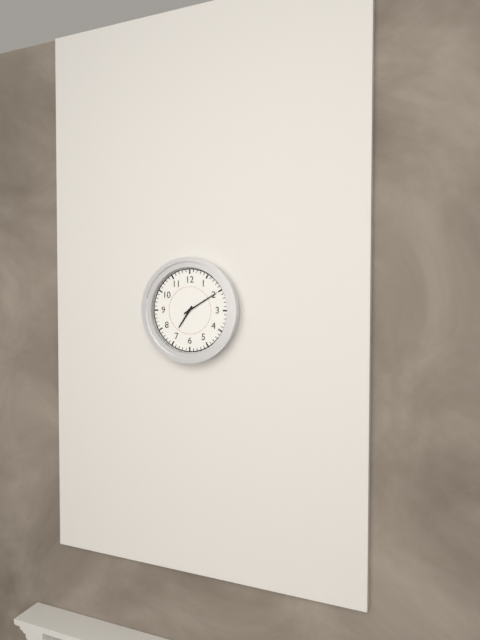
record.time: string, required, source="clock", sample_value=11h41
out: 7h10
